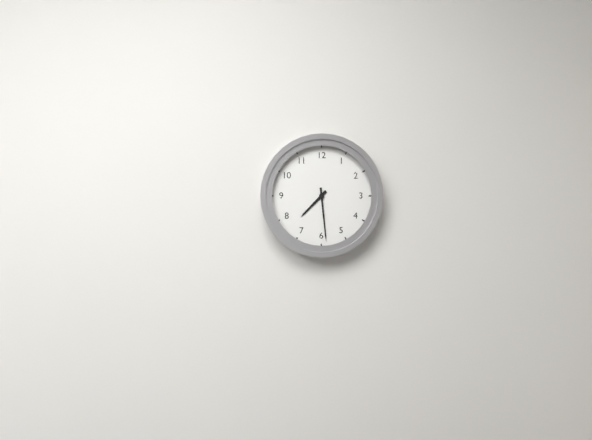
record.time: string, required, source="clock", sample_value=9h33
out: 7h29
